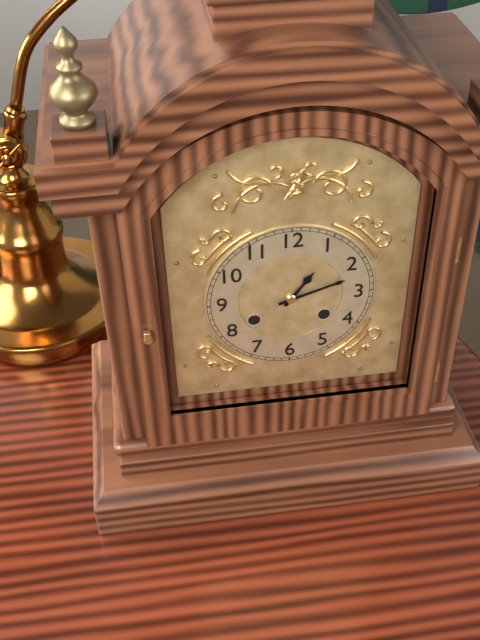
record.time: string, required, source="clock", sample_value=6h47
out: 1h12
